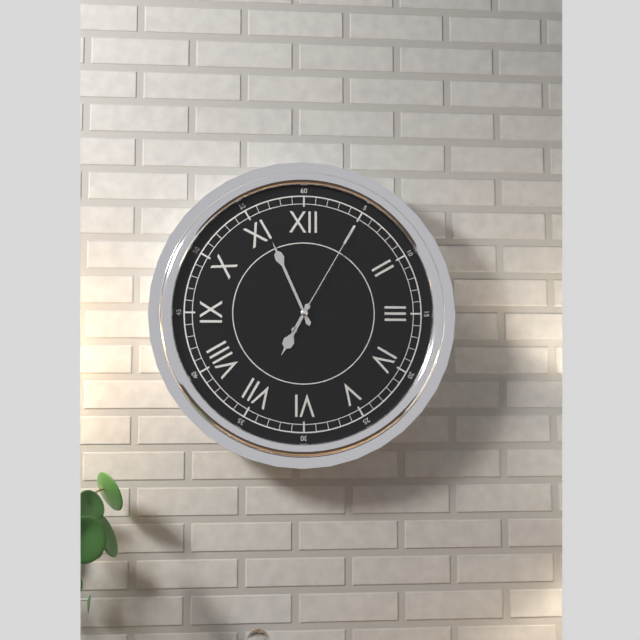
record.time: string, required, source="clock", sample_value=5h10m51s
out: 6h56m05s
